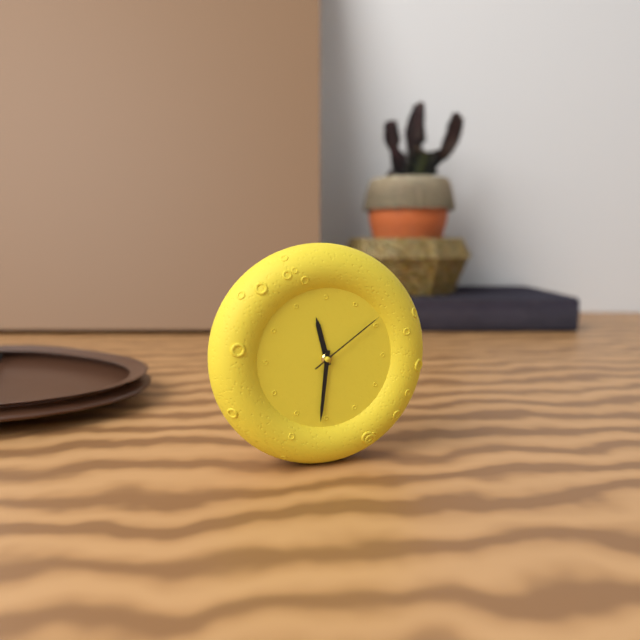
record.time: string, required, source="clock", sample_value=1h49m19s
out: 11h31m09s
